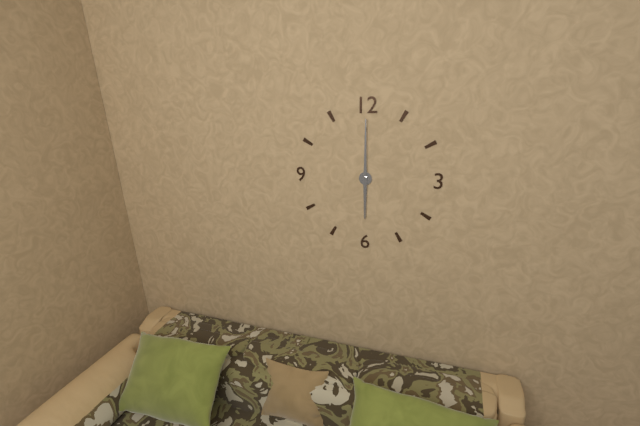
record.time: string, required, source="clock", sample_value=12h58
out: 6h00
